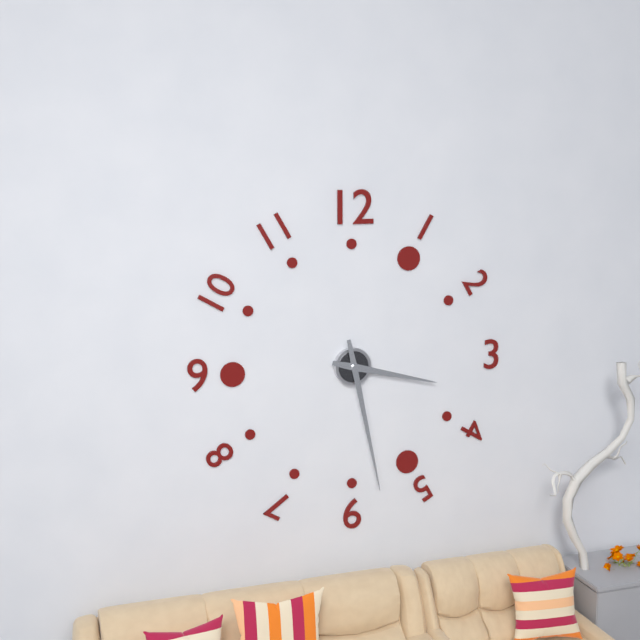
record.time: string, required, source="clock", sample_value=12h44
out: 3h28
